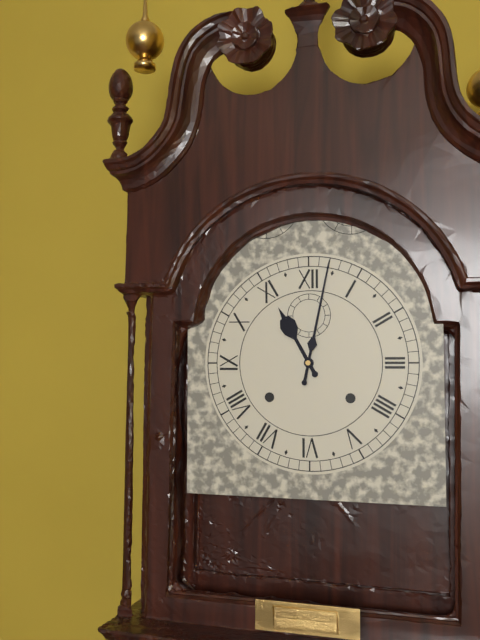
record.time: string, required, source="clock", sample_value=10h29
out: 11h02
